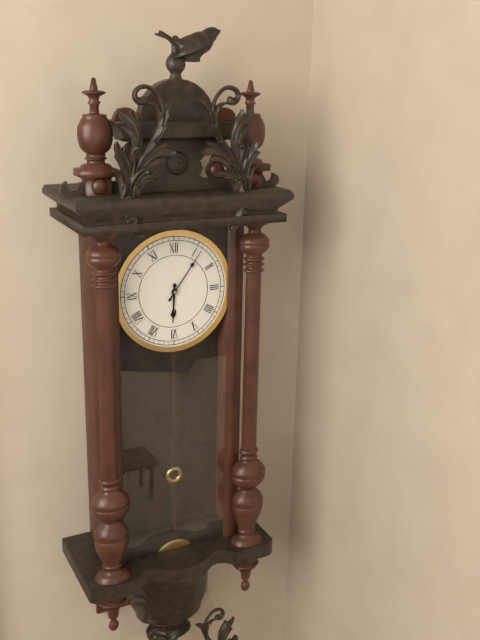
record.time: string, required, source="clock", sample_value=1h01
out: 6h06
